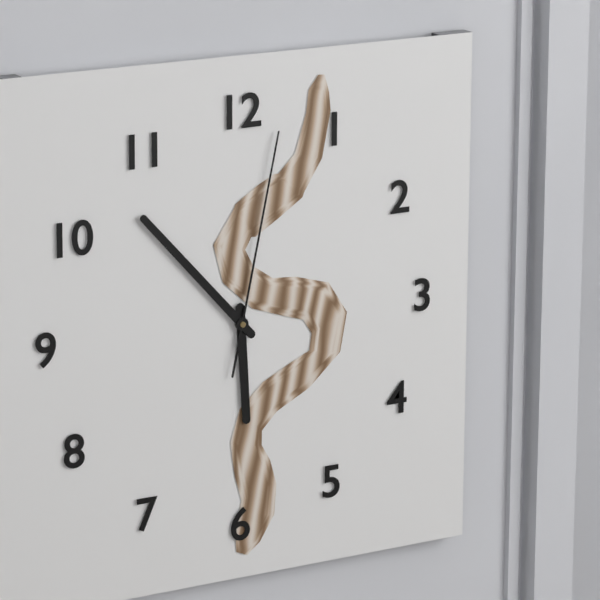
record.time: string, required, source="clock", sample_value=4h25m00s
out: 5h53m02s
